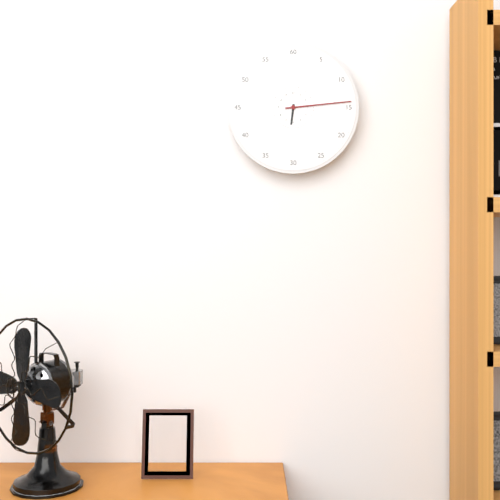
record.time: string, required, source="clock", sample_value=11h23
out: 6h14
